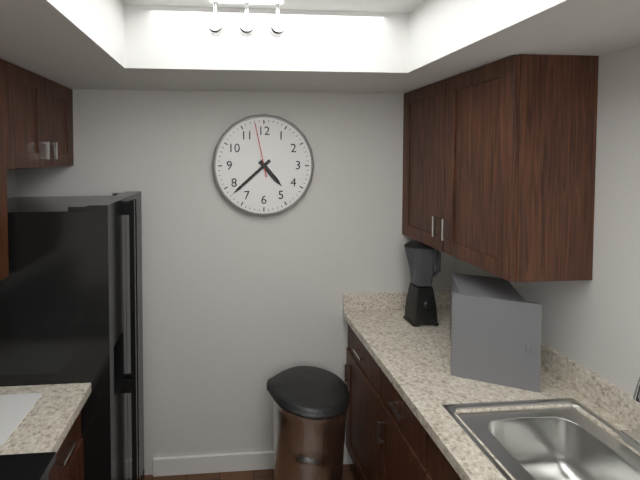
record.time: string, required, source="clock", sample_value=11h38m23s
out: 4h38m58s
